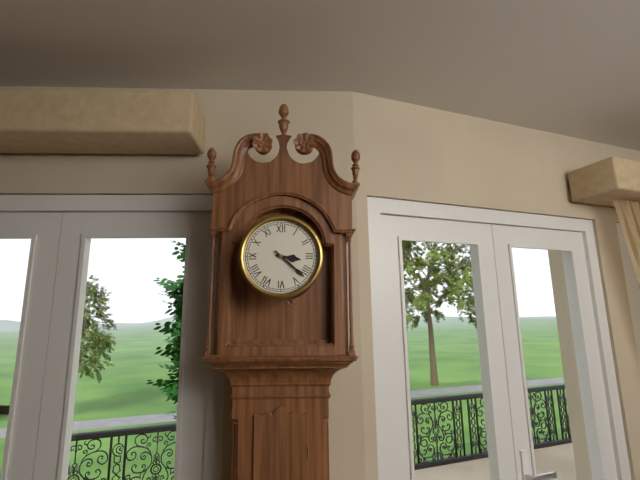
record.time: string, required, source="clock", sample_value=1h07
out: 3h22
